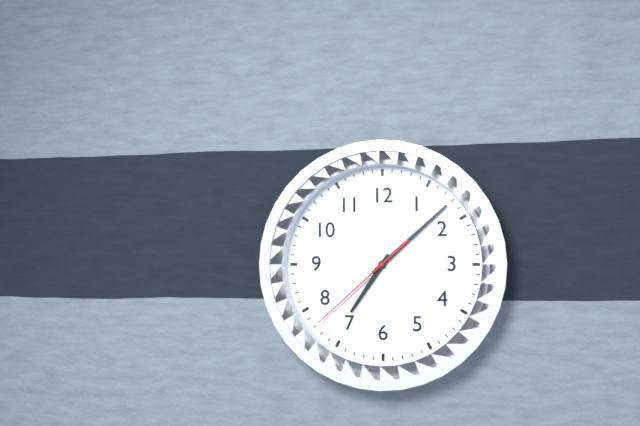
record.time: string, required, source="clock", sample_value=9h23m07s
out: 7h08m38s
